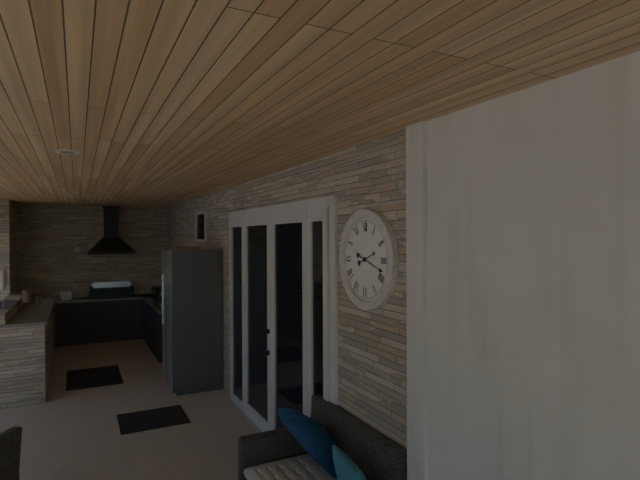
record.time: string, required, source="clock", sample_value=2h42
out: 2h18
